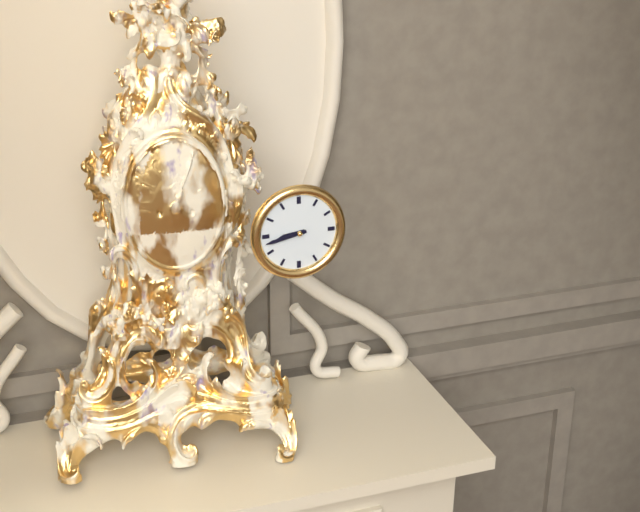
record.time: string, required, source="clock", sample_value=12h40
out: 8h43
